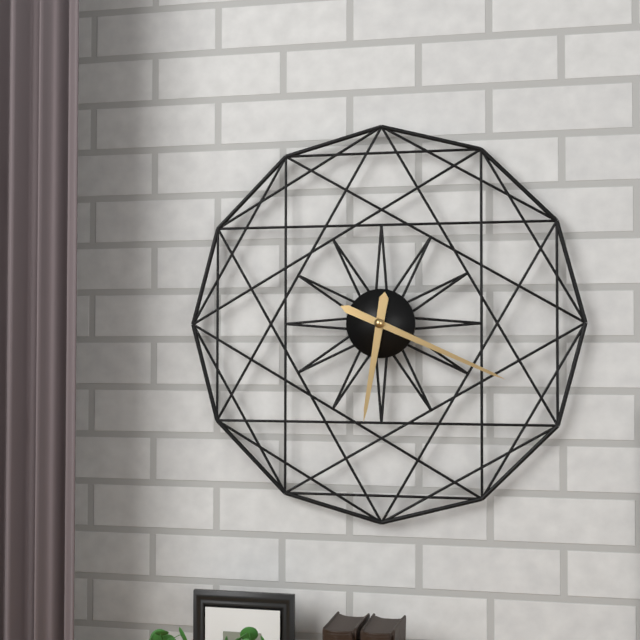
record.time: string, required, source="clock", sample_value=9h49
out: 6h19
